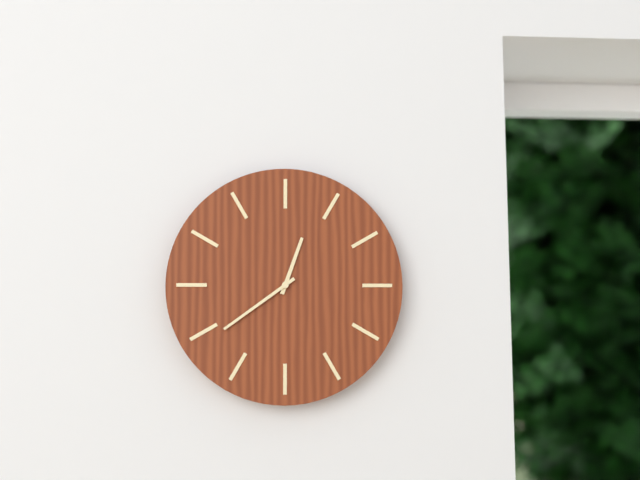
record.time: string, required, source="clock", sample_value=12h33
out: 12h39
